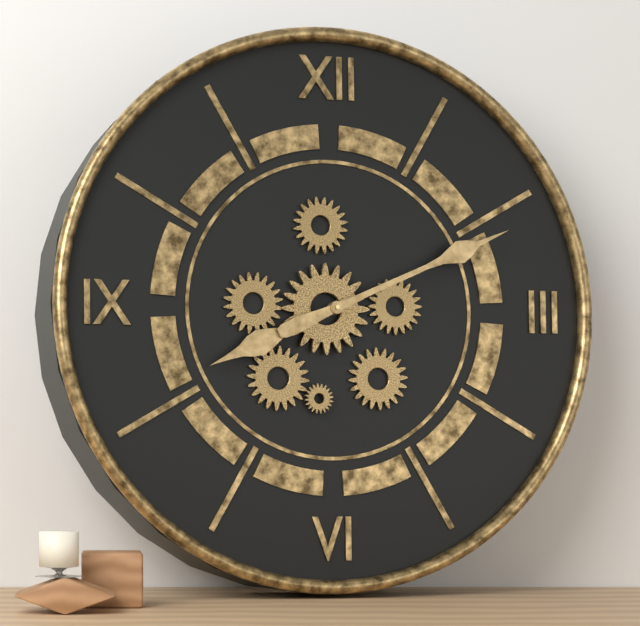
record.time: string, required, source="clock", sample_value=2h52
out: 8h11
